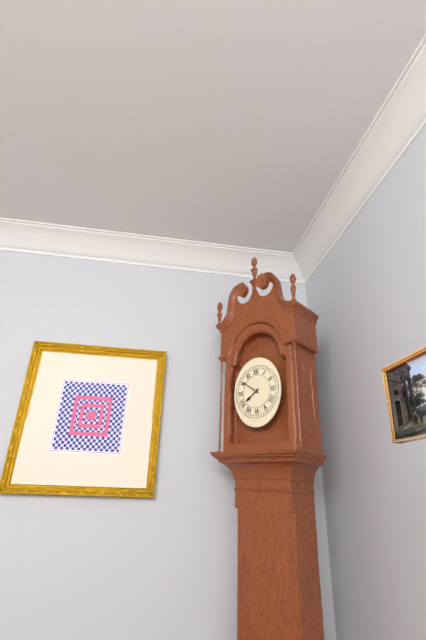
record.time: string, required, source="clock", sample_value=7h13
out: 7h51
